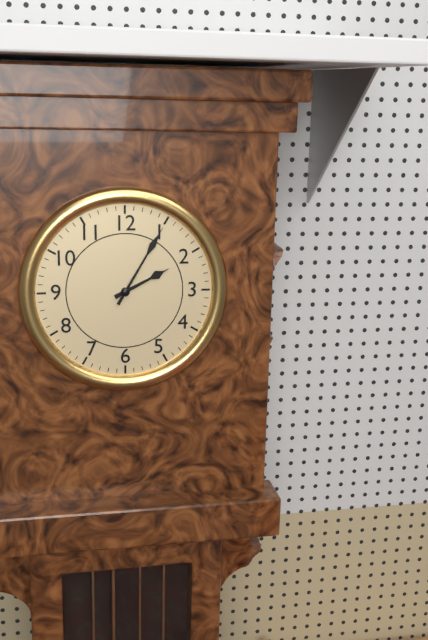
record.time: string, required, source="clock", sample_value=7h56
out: 2h05
